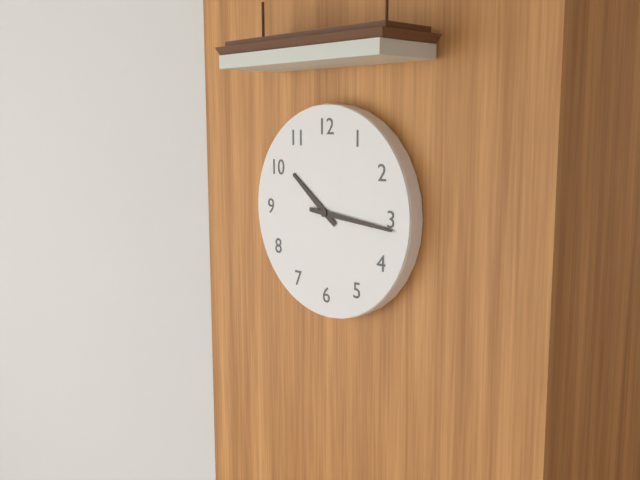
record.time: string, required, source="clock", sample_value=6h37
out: 10h16
